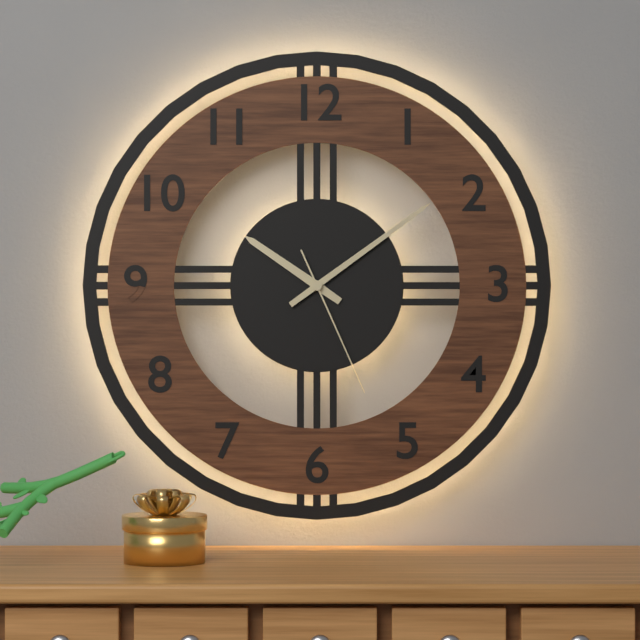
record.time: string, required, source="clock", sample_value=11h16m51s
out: 10h09m26s
